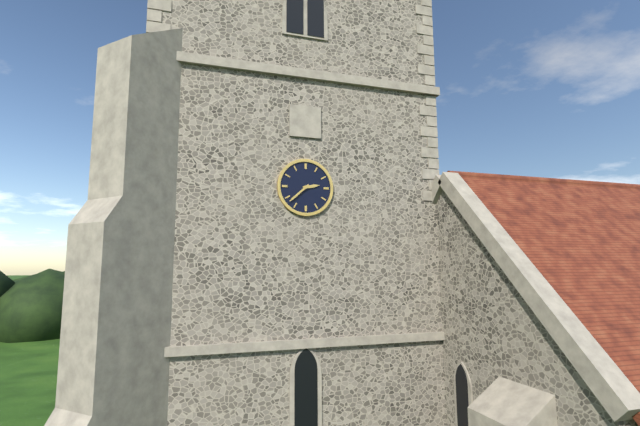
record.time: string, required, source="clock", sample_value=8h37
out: 2h38
